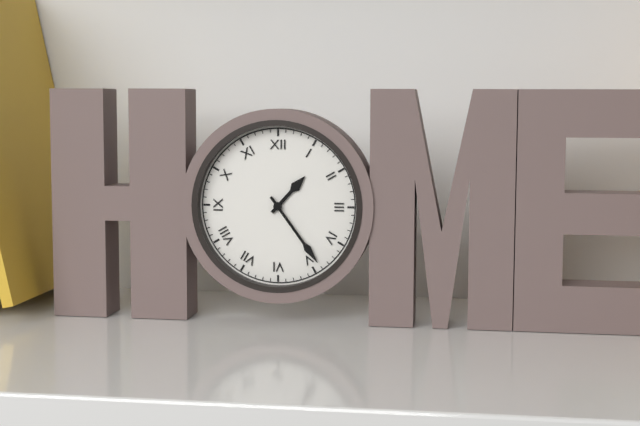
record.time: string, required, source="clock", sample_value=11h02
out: 1h24
